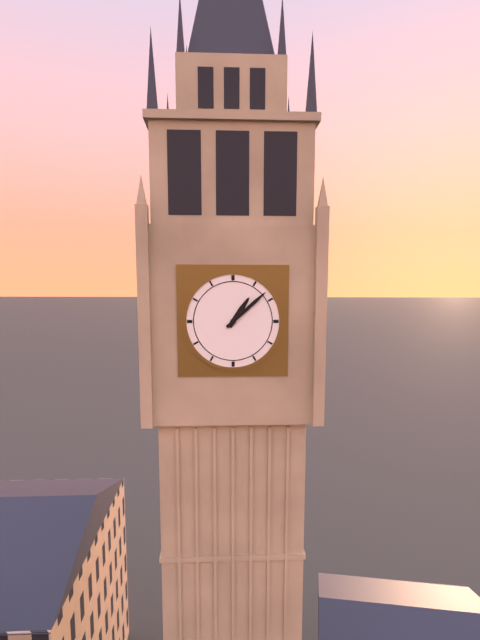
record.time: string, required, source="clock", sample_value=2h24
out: 1h08
